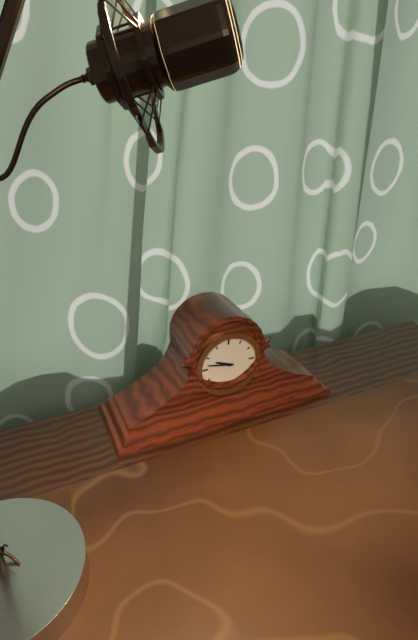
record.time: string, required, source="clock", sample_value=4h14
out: 9h47
